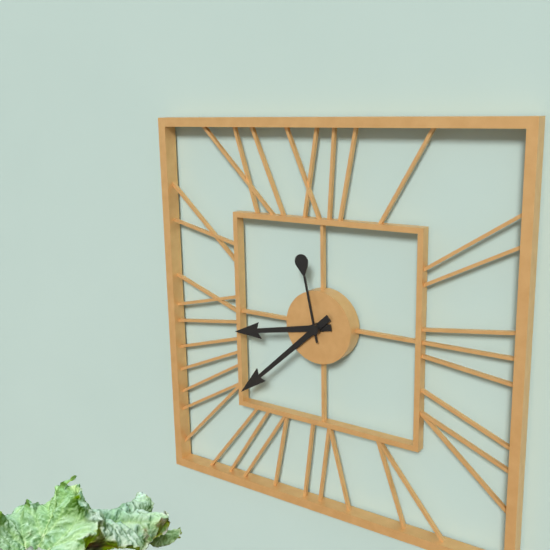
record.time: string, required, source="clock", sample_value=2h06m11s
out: 8h38m58s
